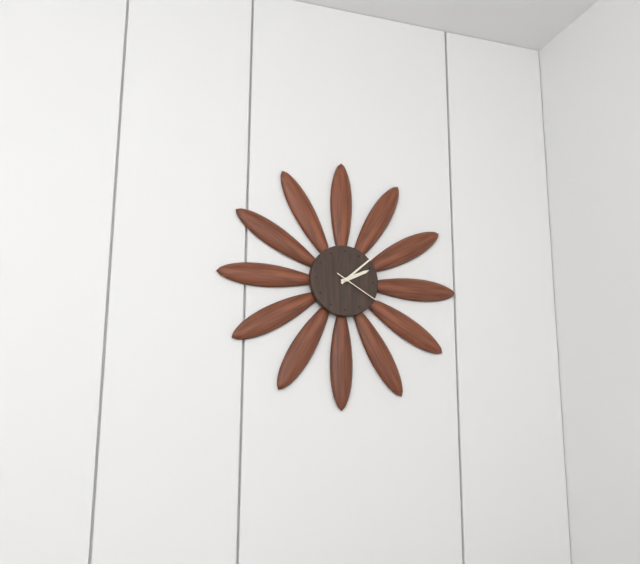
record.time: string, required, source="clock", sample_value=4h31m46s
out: 2h08m20s
